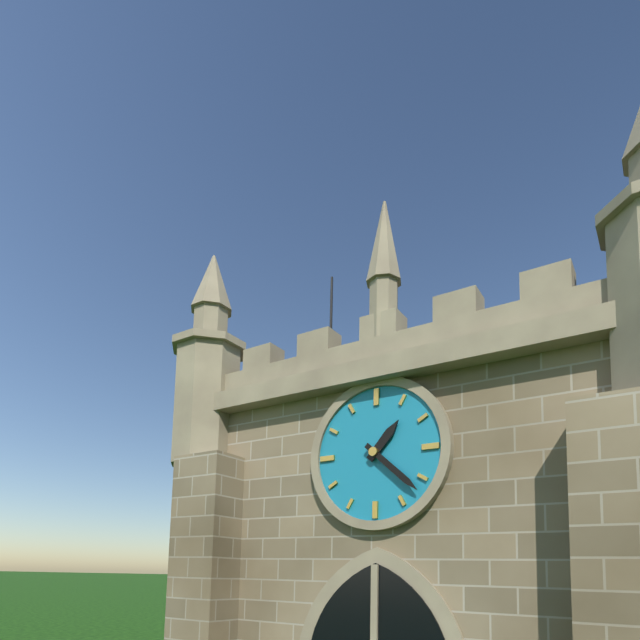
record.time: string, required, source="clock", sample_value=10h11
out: 1h22
